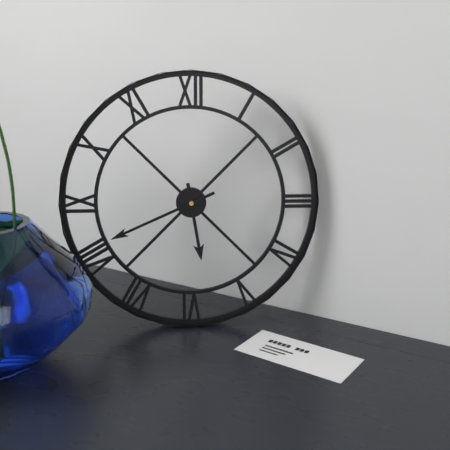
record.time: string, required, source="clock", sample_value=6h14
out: 5h41
